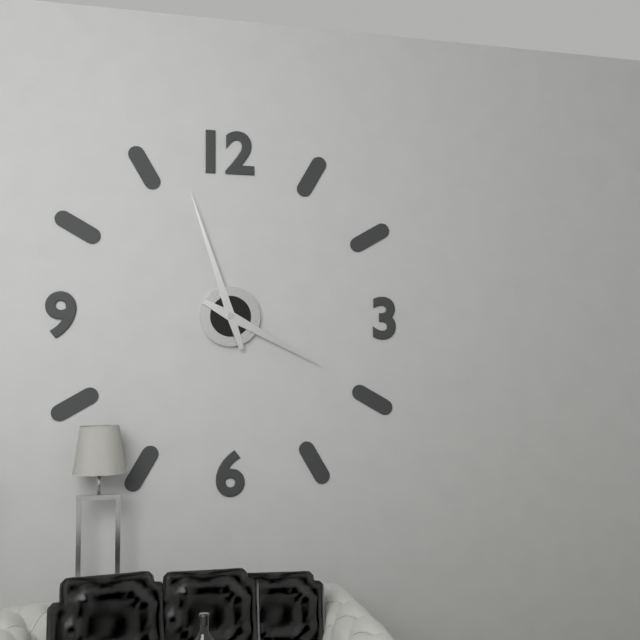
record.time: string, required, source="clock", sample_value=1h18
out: 3h57
